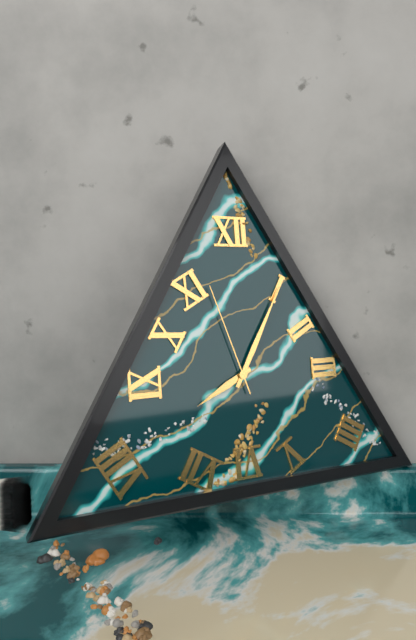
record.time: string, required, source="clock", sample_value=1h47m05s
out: 8h05m57s
